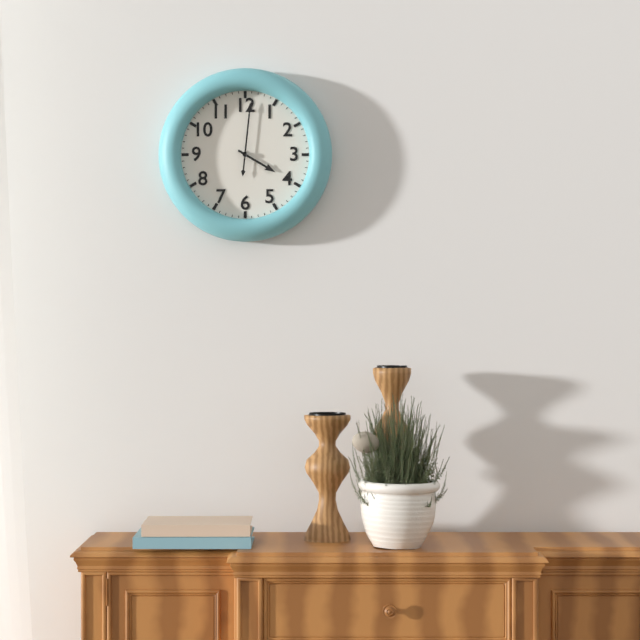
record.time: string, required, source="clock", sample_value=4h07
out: 4h01
